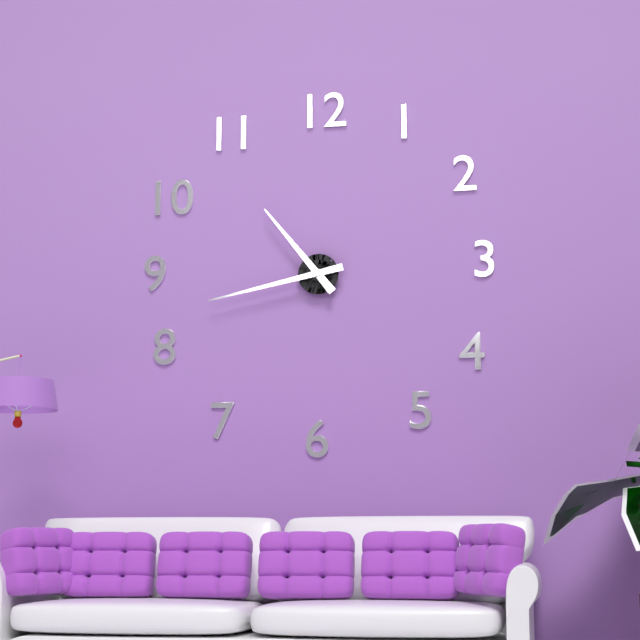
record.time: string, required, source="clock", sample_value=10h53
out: 10h43
